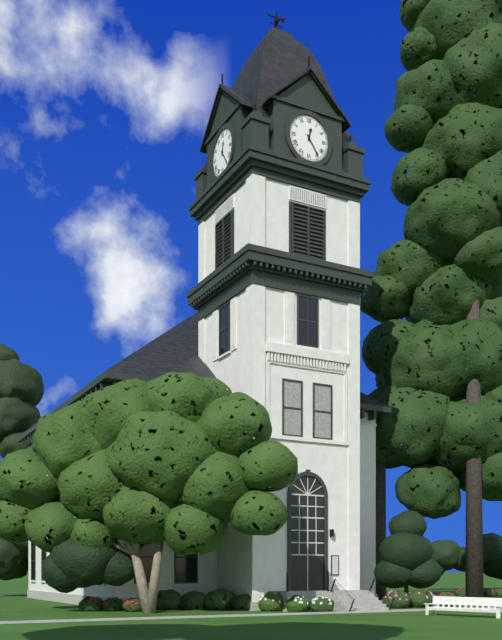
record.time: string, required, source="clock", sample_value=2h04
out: 12h24
